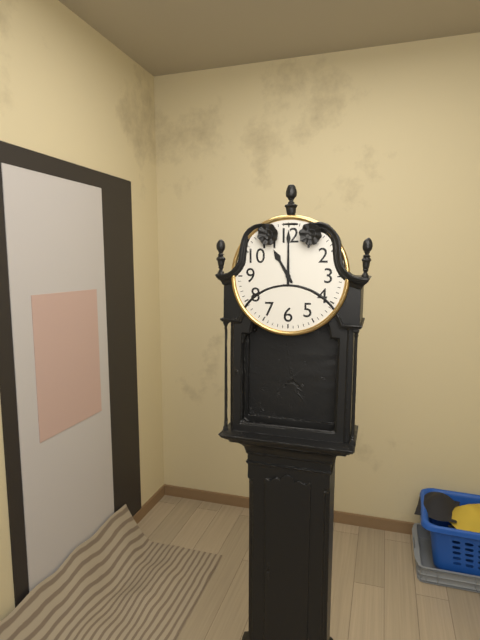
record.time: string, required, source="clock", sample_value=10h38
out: 11h00
